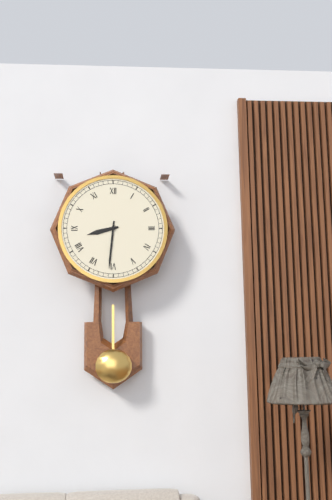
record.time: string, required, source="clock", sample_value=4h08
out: 8h31
